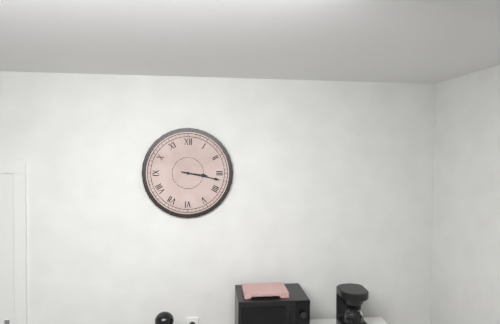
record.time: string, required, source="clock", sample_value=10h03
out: 3h17
